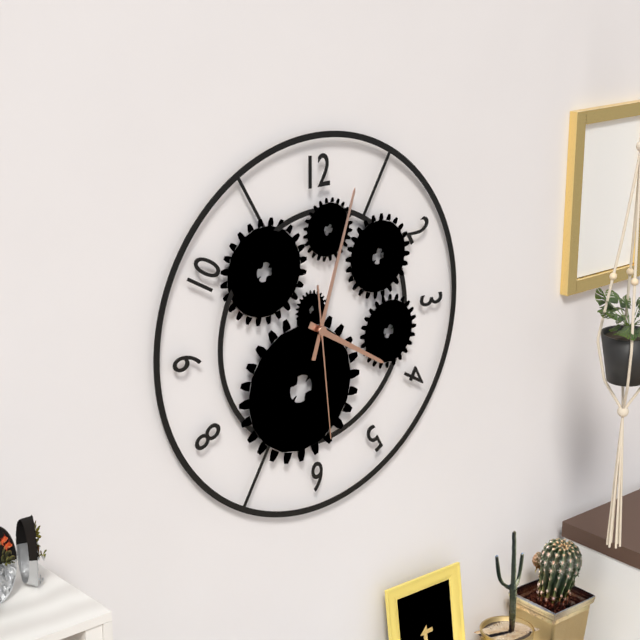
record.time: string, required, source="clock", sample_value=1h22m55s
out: 4h03m29s
